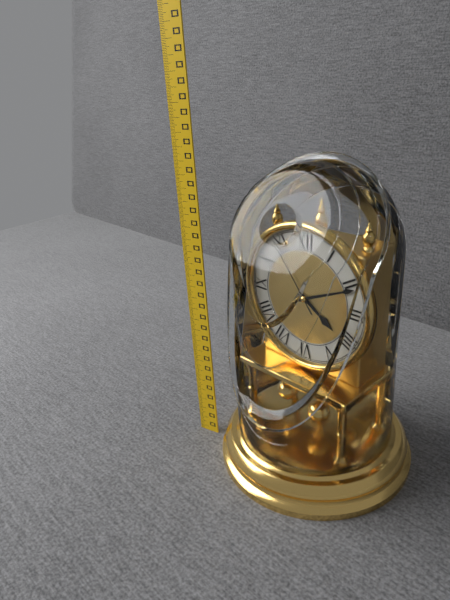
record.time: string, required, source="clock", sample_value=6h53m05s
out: 4h11m54s
